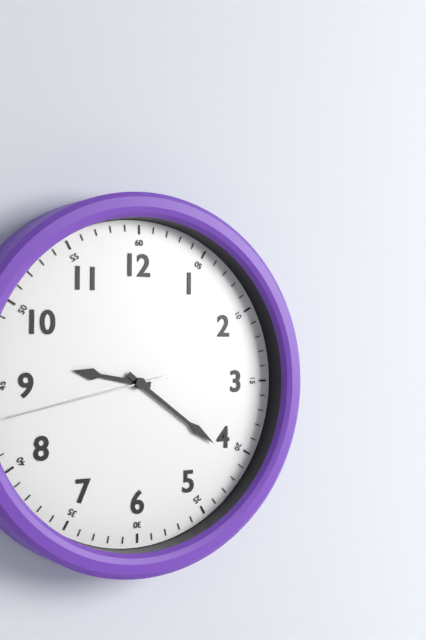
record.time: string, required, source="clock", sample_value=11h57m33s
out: 9h21m43s
